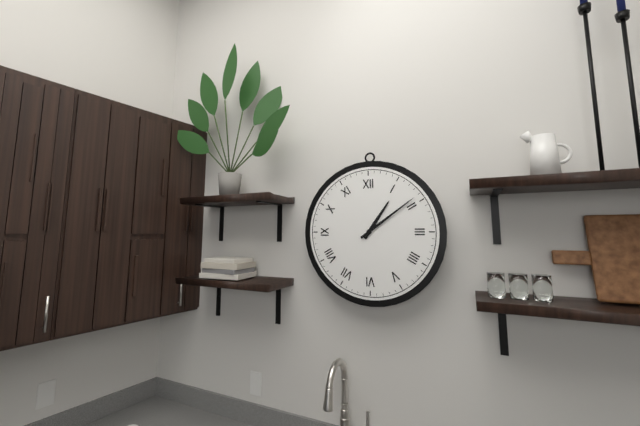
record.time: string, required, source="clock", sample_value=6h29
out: 1h09
